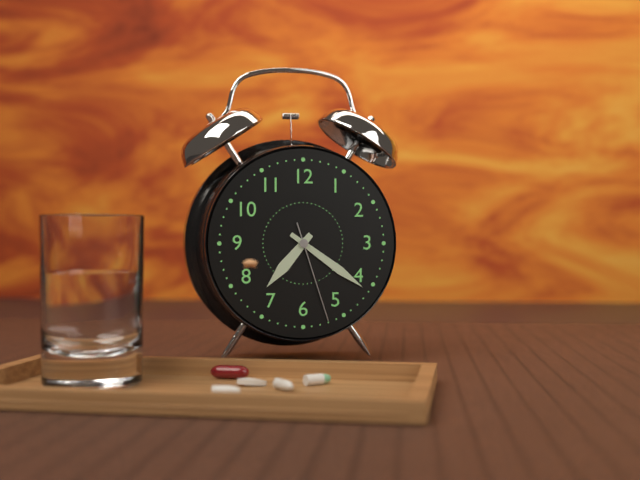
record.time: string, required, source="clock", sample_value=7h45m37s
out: 7h21m27s
